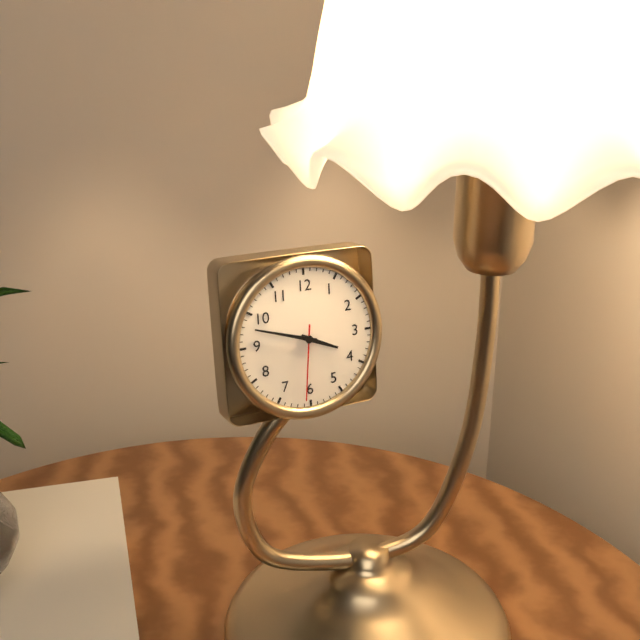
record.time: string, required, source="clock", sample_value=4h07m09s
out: 3h48m31s
